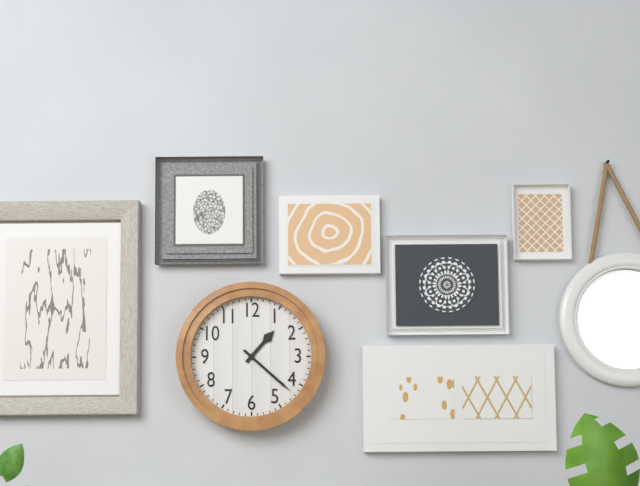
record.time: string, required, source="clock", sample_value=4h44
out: 1h22
